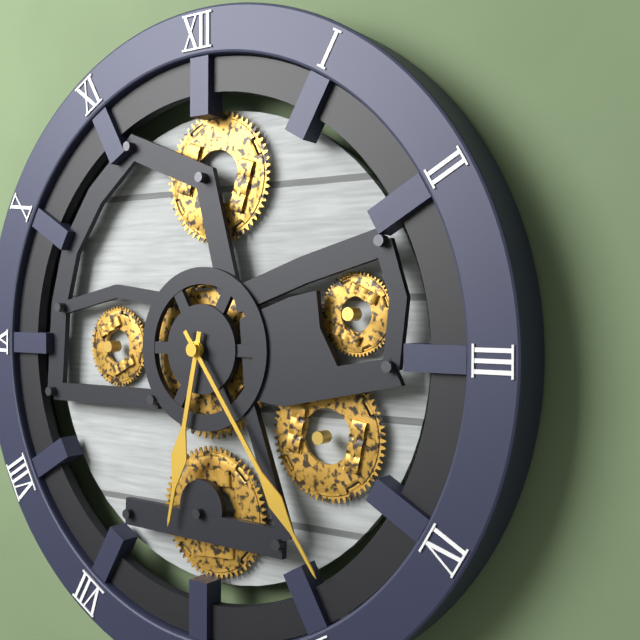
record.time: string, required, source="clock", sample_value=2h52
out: 6h24
